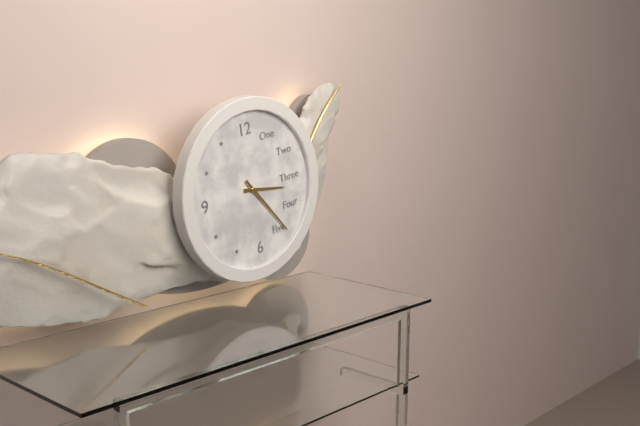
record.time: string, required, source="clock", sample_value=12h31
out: 3h24
